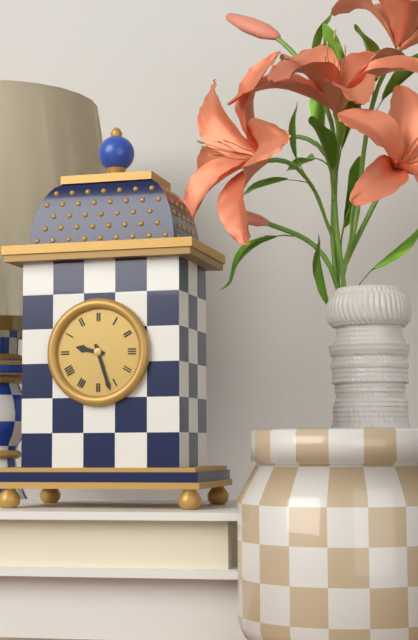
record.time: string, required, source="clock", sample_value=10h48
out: 9h27
